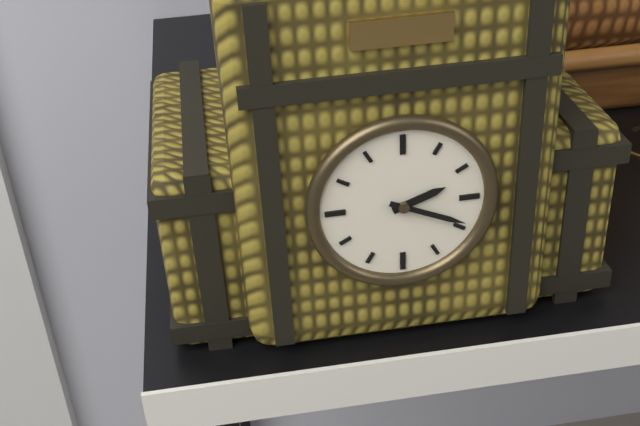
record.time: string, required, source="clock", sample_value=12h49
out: 2h19
